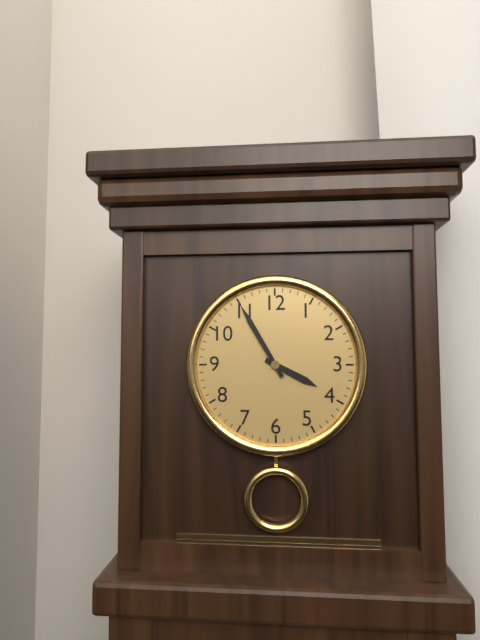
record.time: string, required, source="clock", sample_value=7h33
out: 3h55
